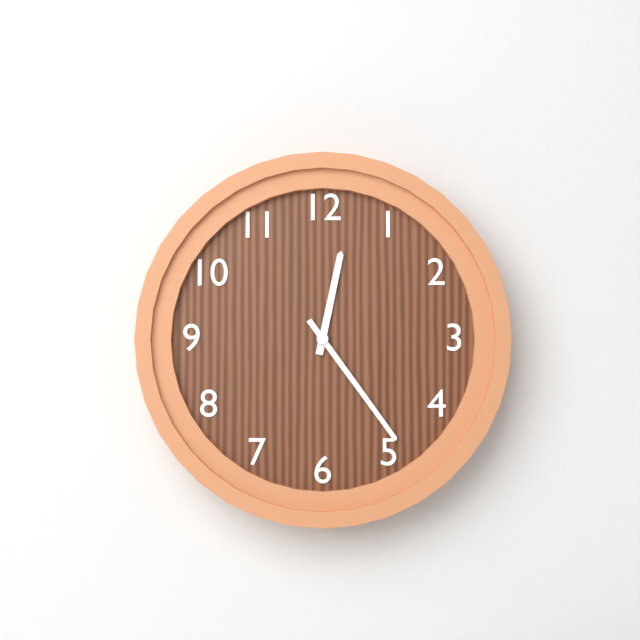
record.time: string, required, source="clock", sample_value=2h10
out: 12h24
